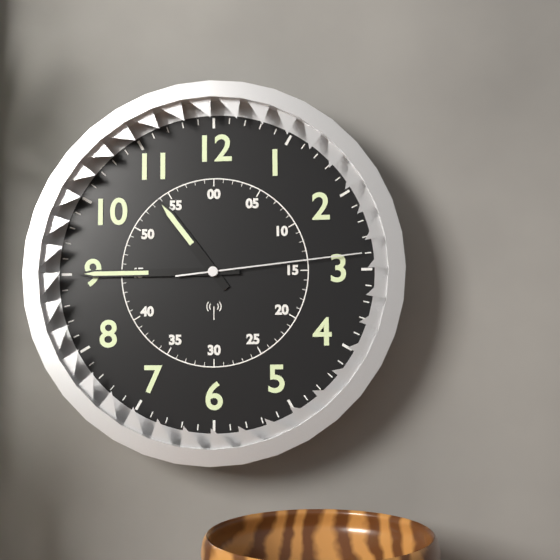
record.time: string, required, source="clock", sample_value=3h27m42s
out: 10h45m14s
